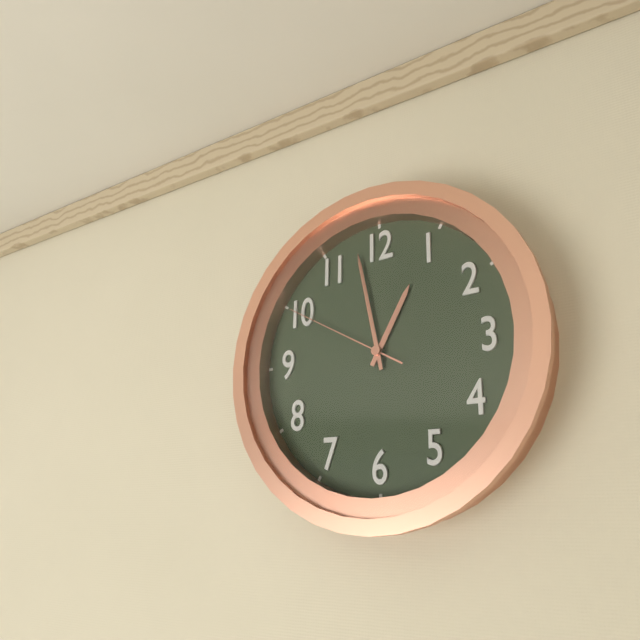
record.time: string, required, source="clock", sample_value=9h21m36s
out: 12h58m50s
